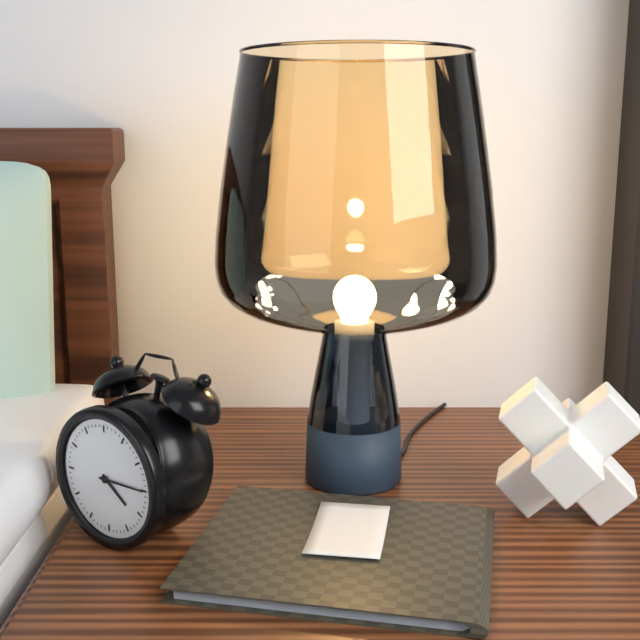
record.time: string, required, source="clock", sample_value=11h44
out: 4h15
